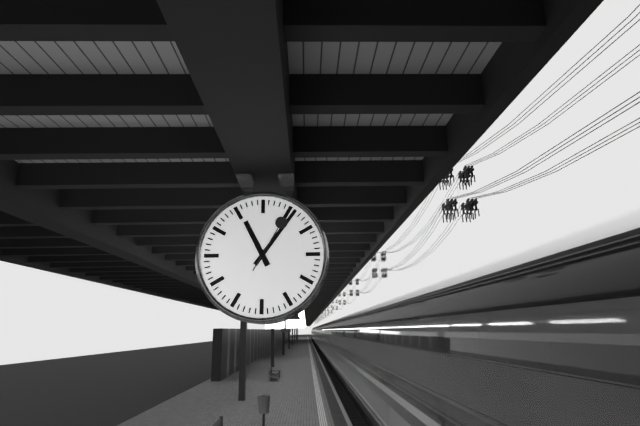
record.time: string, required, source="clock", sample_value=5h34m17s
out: 11h06m05s
